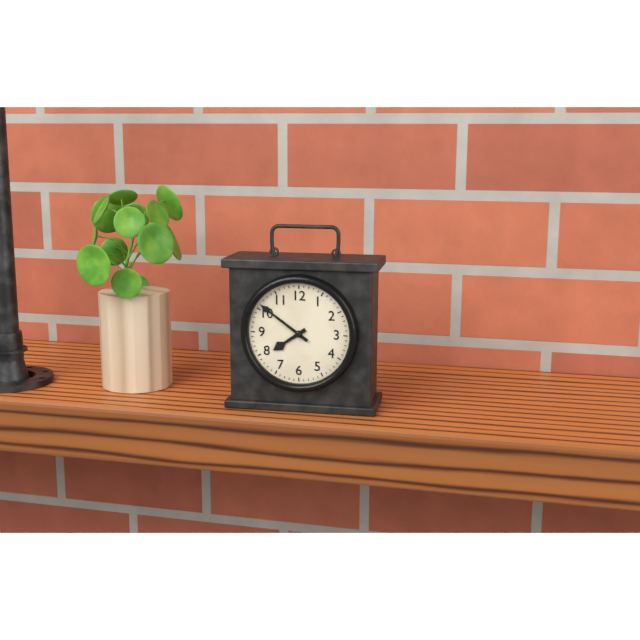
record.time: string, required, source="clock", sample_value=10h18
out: 7h51
